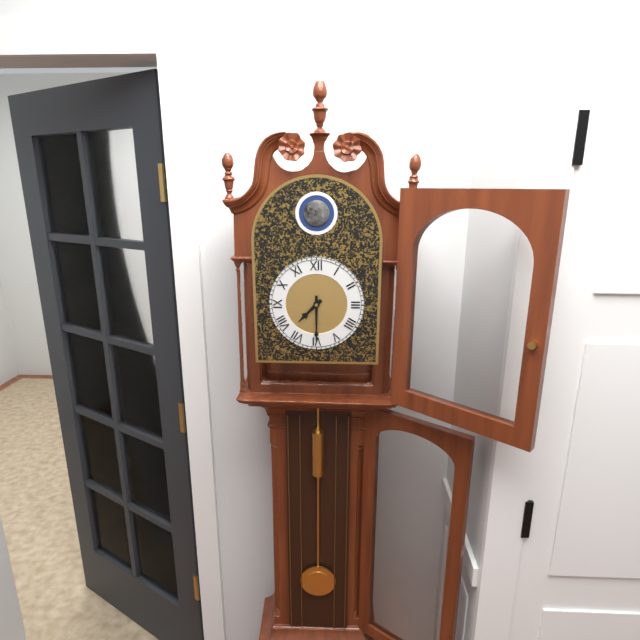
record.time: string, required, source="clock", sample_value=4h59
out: 7h30
